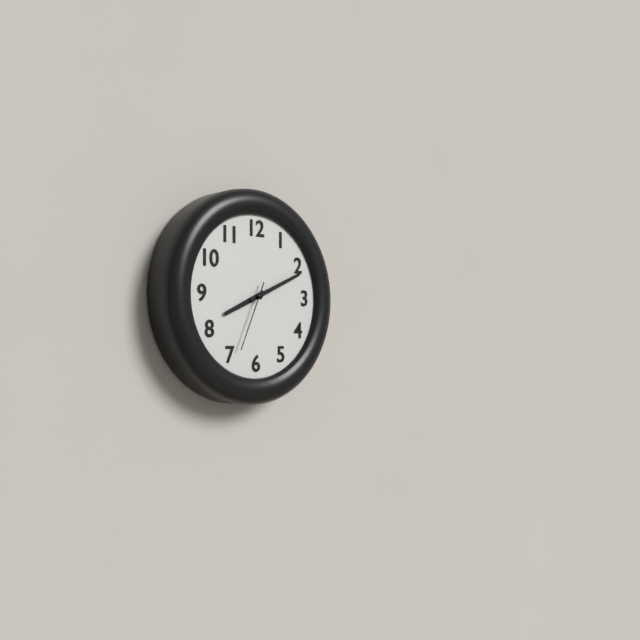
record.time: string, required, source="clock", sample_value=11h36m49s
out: 8h11m34s
